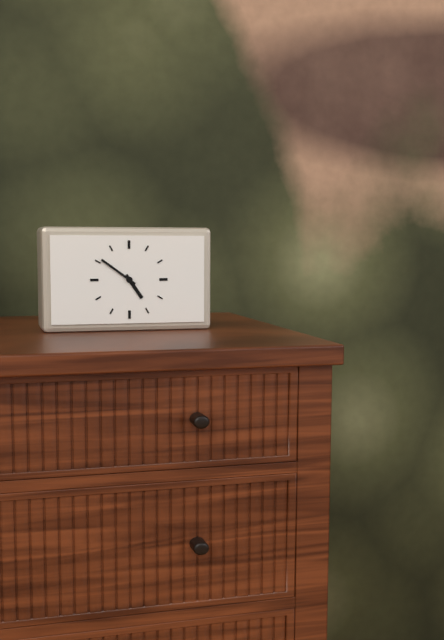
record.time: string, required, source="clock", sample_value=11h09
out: 4h51
